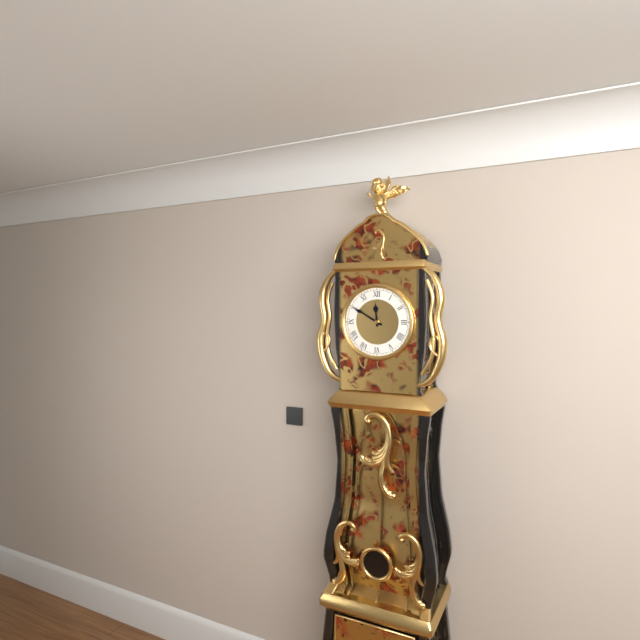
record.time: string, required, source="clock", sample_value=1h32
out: 11h50
